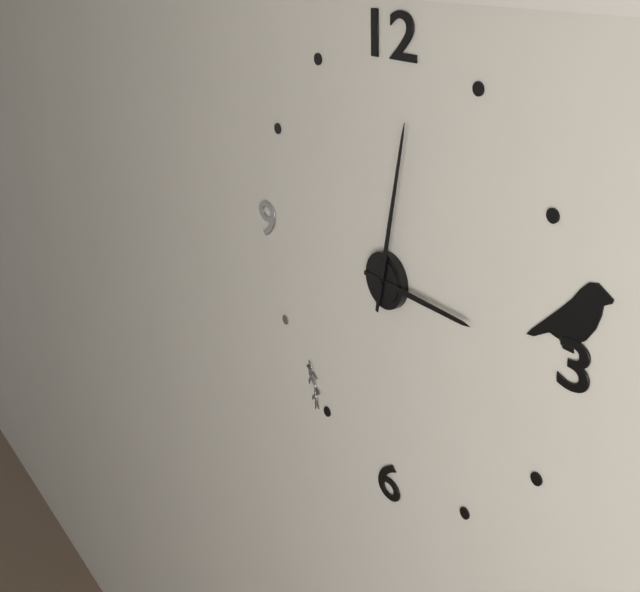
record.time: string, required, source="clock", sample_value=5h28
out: 3h02
